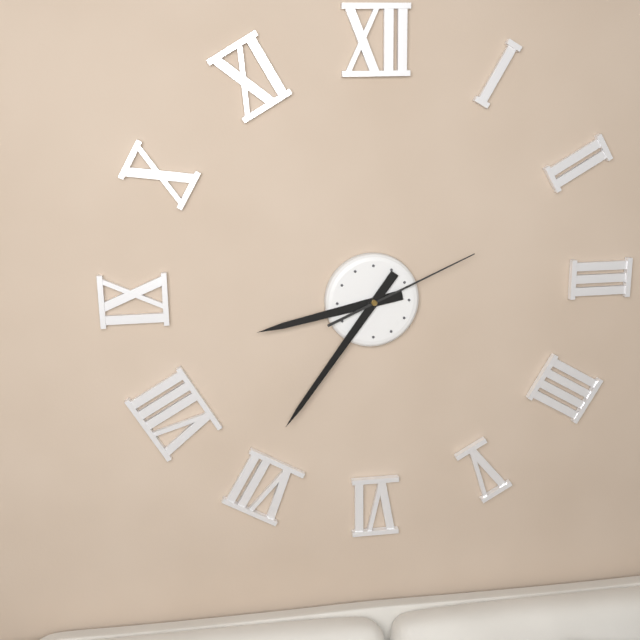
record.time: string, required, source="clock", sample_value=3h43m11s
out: 8h36m11s
